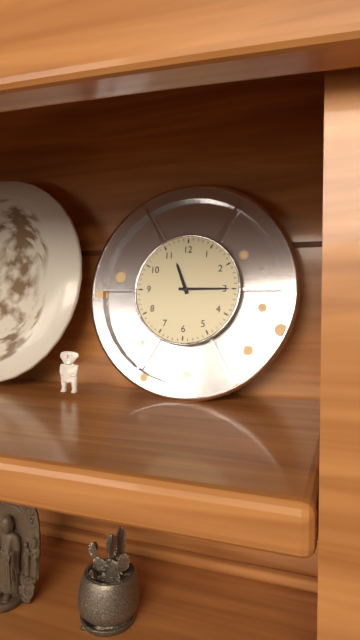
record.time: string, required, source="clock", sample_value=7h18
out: 11h15
